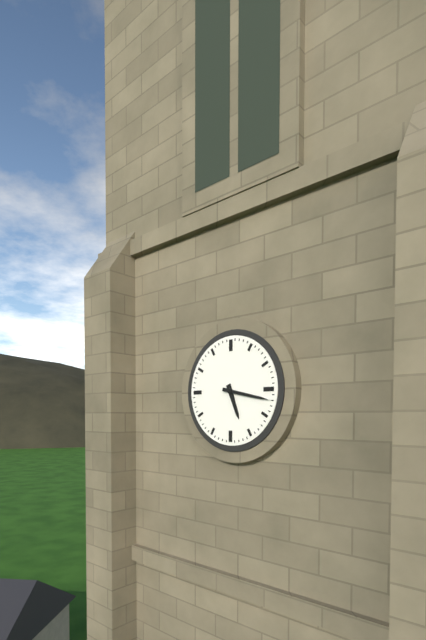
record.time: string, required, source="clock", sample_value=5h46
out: 5h17
